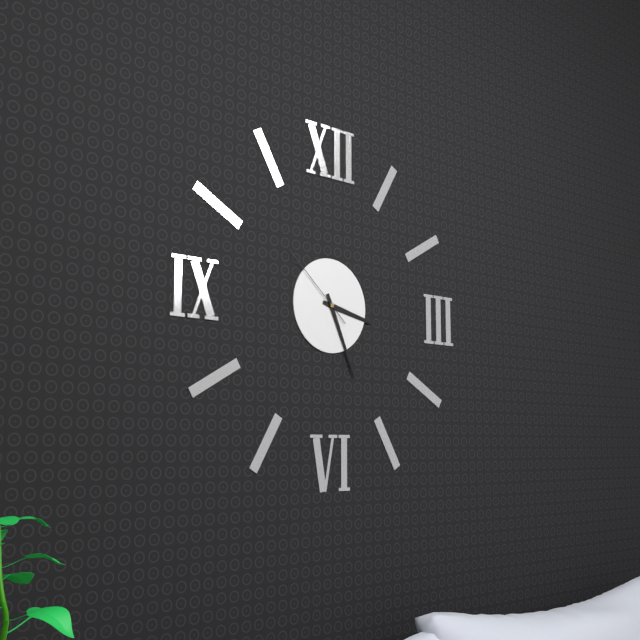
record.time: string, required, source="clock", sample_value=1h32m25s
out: 3h26m52s
